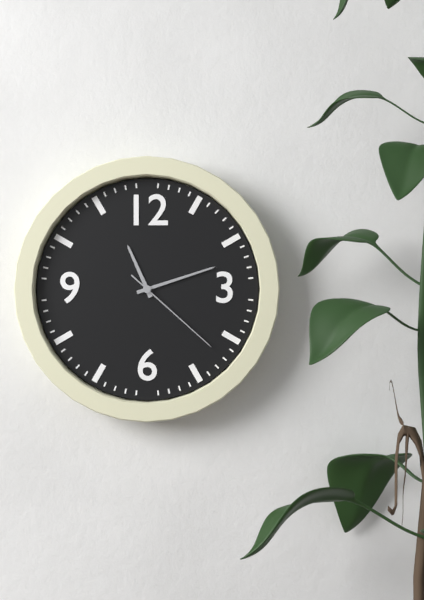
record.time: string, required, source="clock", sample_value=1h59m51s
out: 11h12m22s
